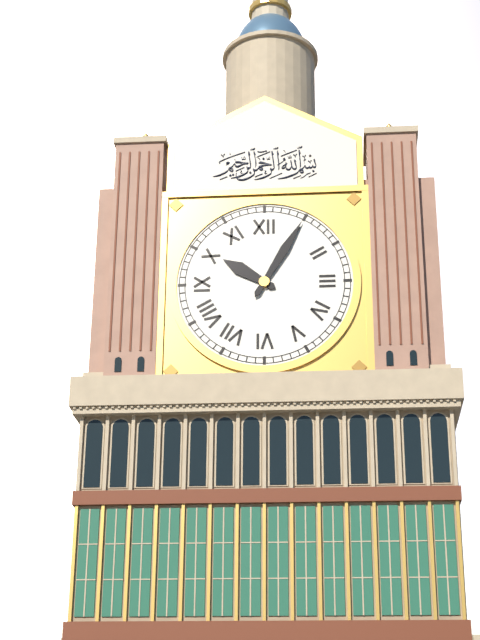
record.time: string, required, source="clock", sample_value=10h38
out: 10h05
